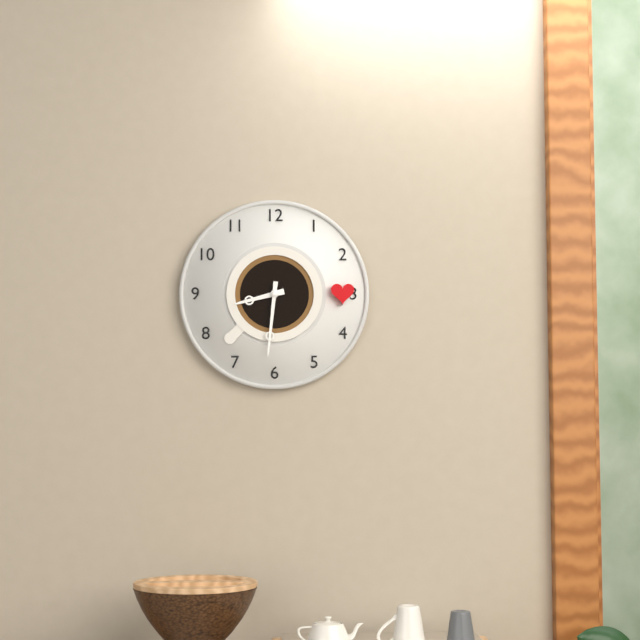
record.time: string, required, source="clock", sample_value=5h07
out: 8h31
